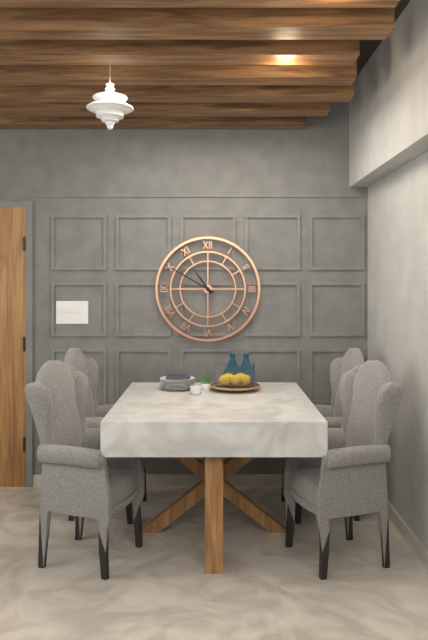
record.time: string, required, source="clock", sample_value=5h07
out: 10h50
